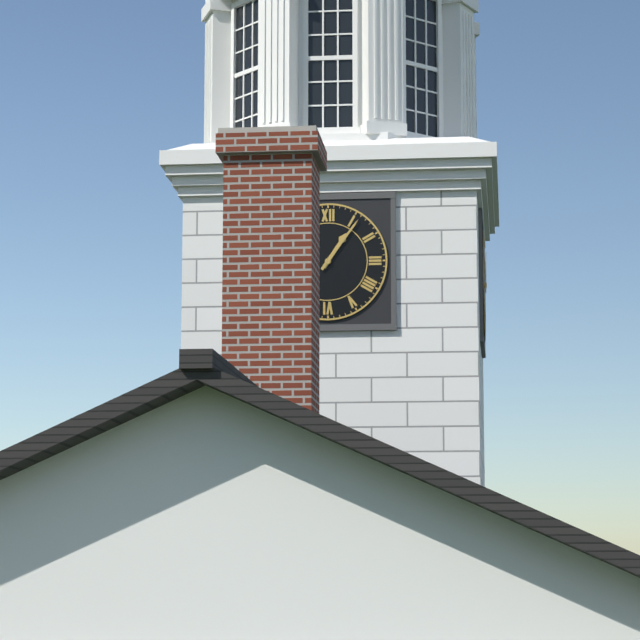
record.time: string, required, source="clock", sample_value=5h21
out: 1h06
